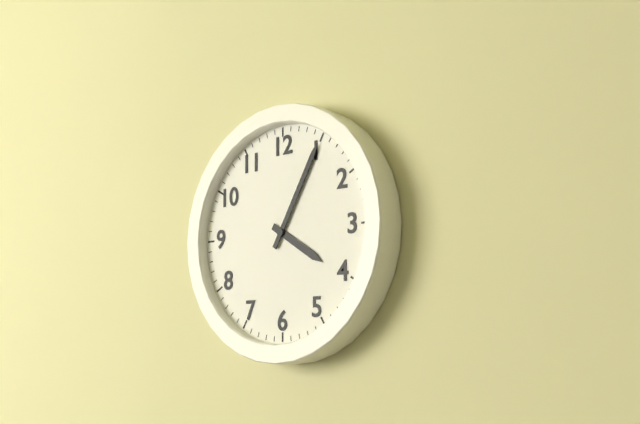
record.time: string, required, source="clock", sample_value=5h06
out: 4h05
